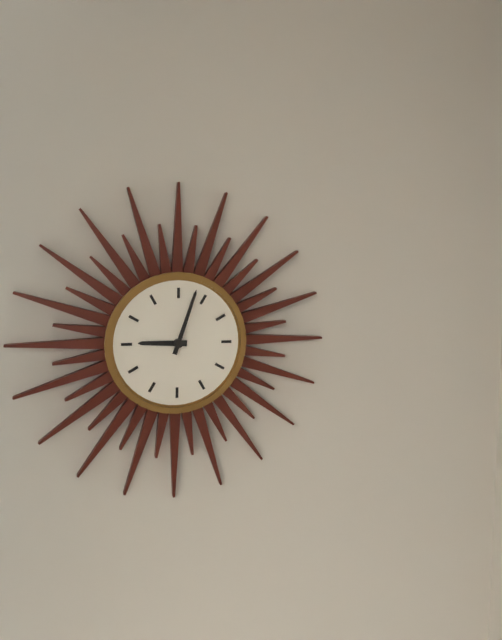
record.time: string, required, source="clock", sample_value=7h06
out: 9h03
